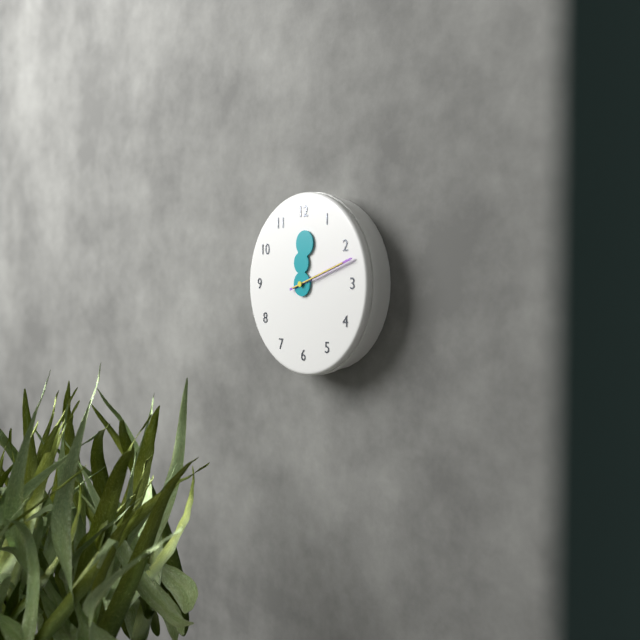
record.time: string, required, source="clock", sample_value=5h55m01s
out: 12h12m12s
